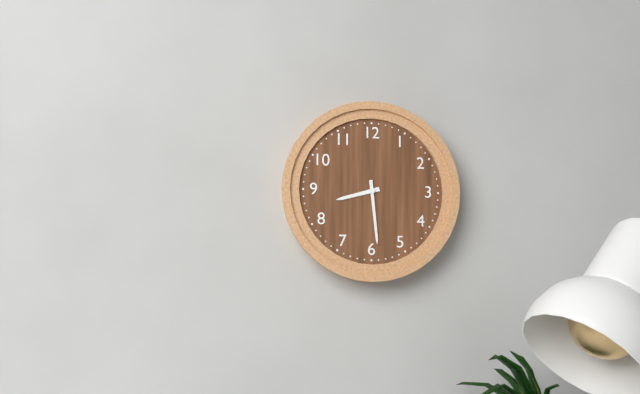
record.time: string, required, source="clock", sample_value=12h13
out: 8h29
